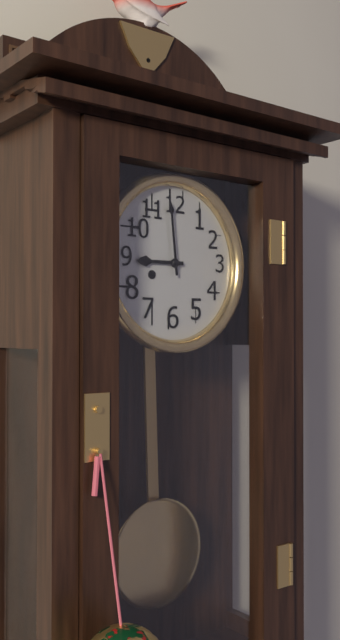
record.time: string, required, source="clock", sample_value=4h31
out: 8h59
